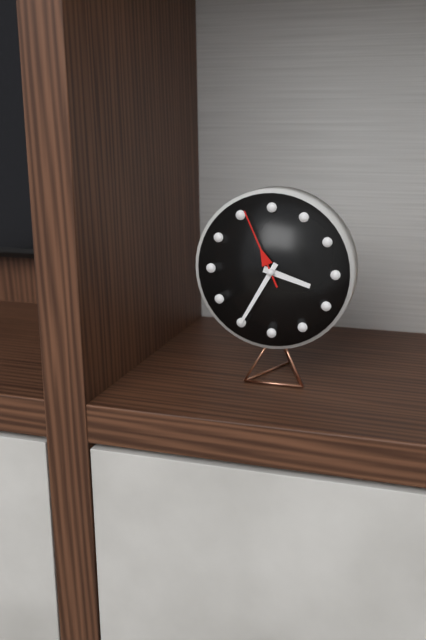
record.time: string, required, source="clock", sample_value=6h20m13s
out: 3h35m56s
